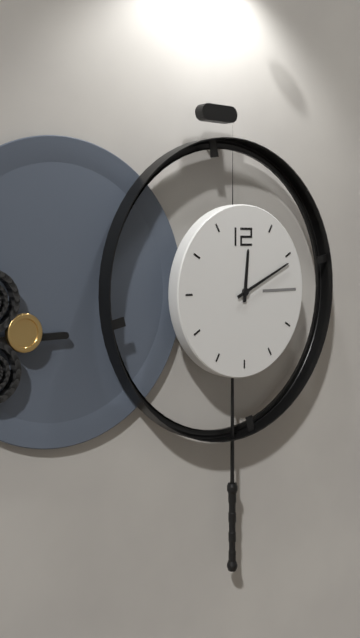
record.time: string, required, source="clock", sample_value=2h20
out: 12h11
